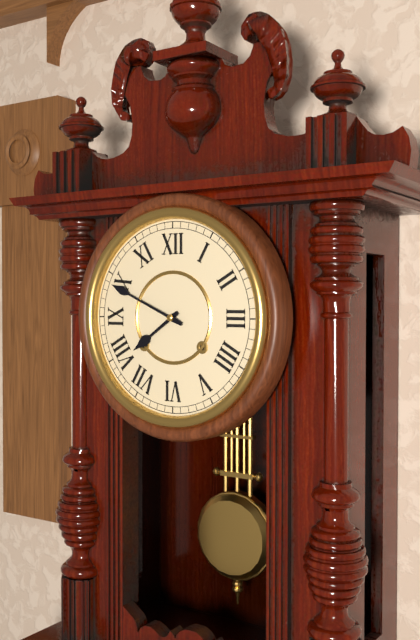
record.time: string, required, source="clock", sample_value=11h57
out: 7h49
